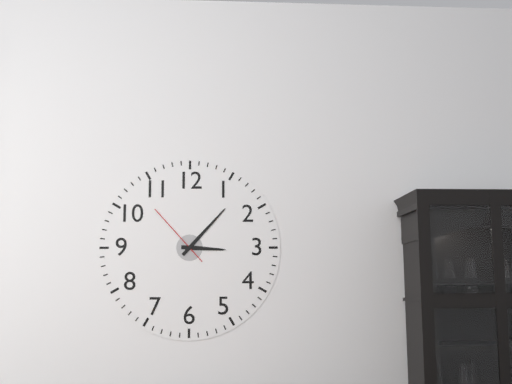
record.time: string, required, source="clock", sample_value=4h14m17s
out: 3h07m53s
